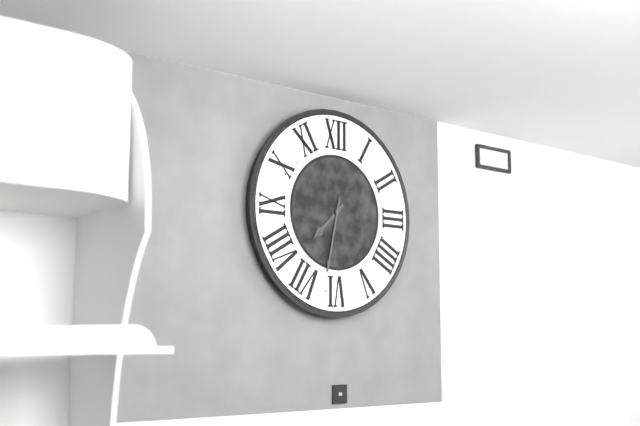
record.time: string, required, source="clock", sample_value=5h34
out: 7h32
